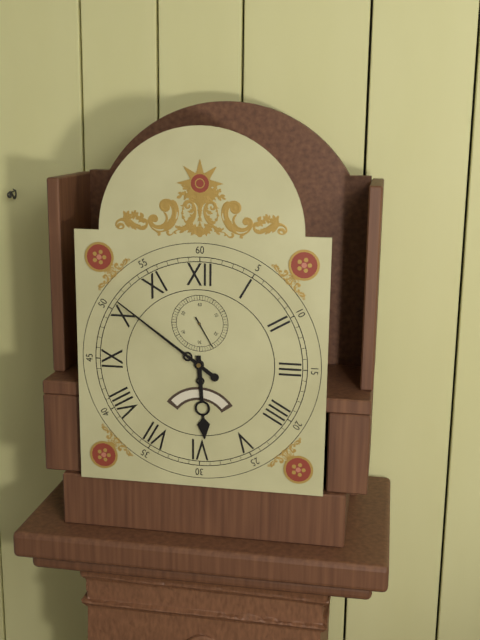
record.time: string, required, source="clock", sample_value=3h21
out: 5h51
